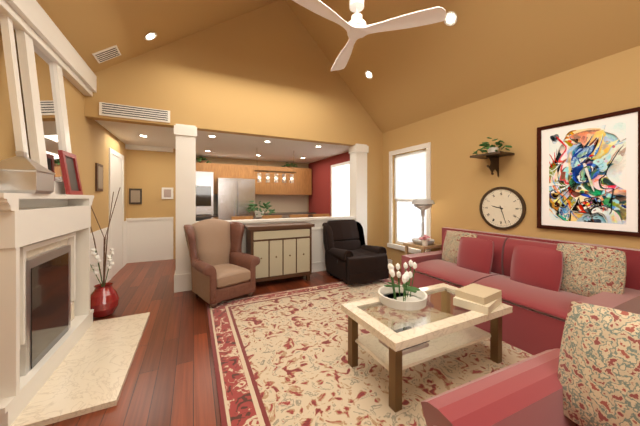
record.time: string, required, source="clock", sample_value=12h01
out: 9h27
